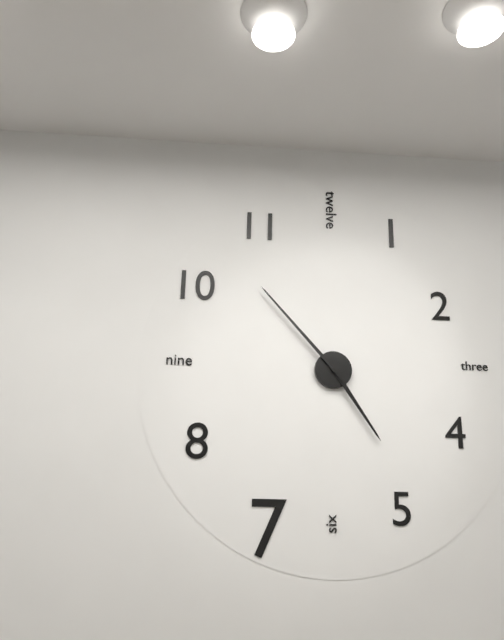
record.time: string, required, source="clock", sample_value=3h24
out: 4h53
